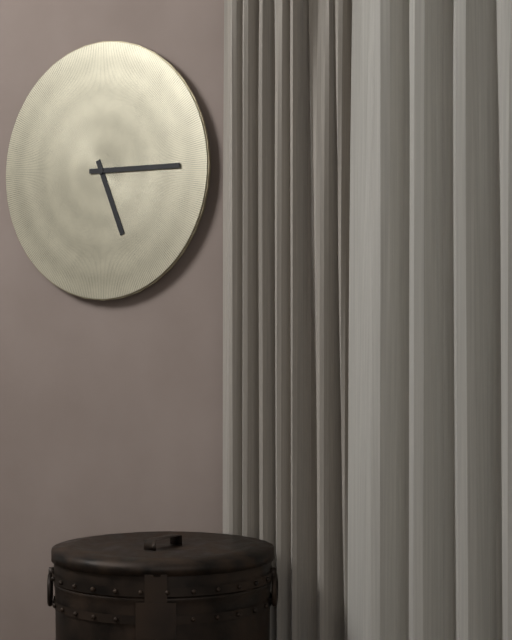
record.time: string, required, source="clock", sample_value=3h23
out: 5h15
